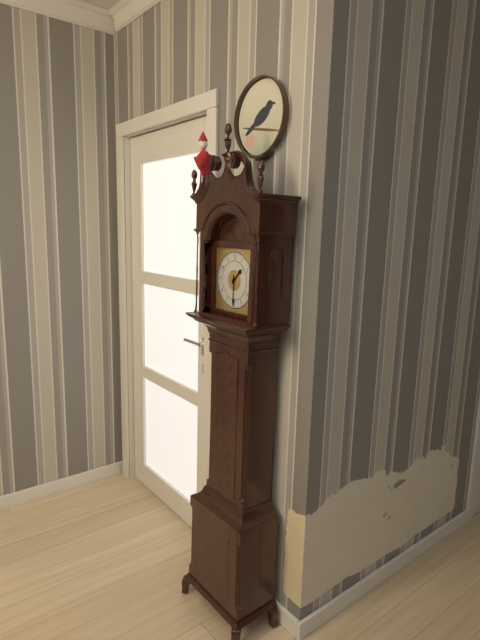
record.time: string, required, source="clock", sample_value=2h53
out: 1h30
